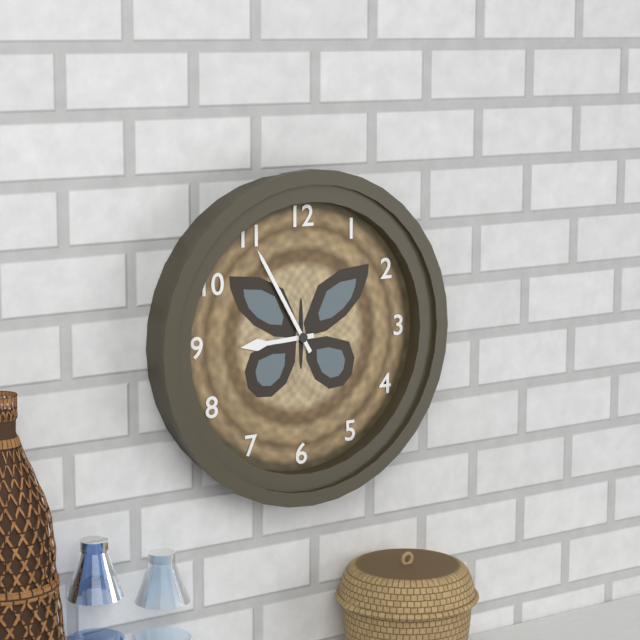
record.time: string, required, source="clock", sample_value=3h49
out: 8h55
